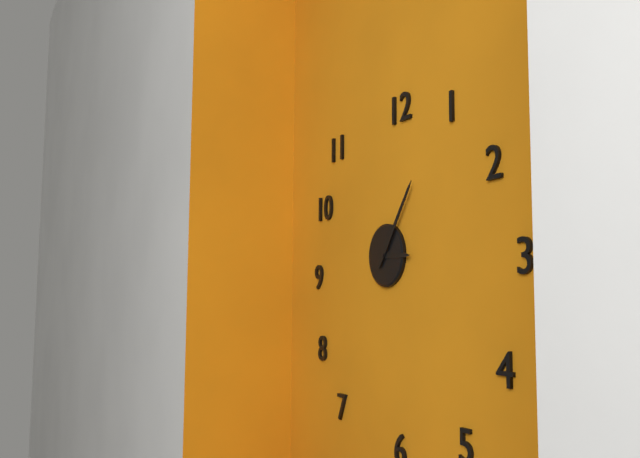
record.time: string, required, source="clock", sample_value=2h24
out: 3h06
